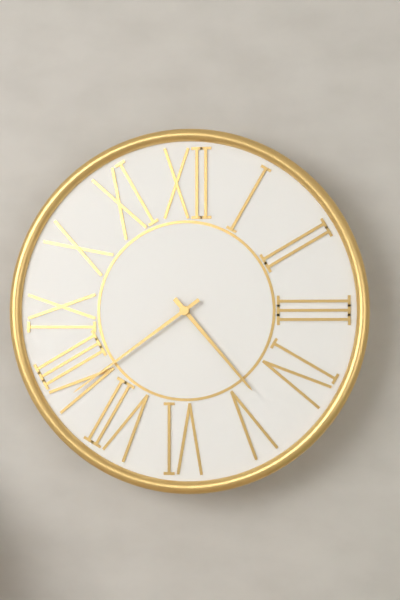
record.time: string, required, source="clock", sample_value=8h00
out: 4h39
